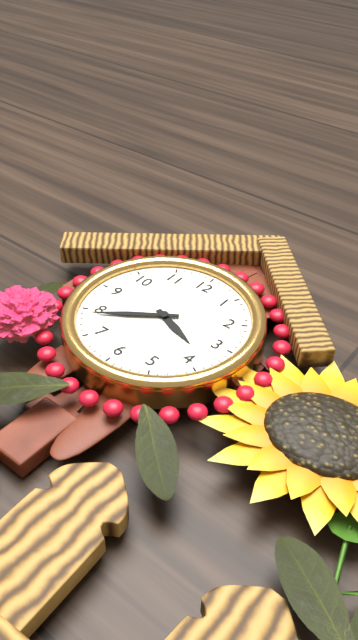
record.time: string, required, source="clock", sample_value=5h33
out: 3h39
